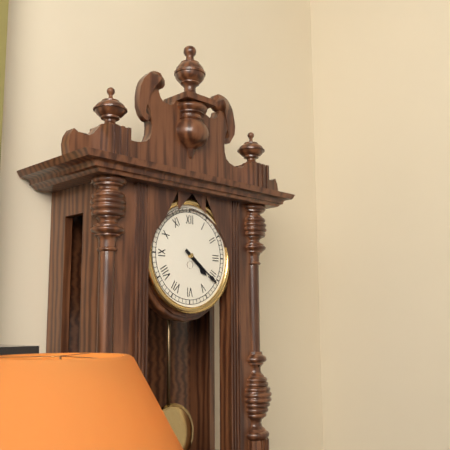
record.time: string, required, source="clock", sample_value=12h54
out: 4h21
